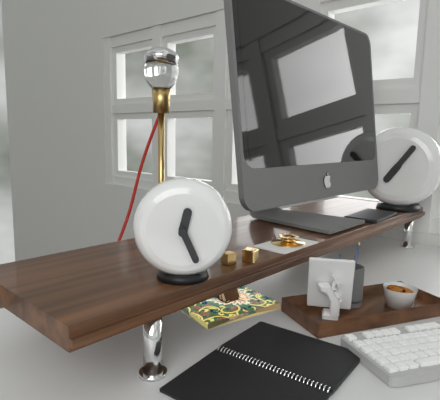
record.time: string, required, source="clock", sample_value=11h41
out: 12h26
